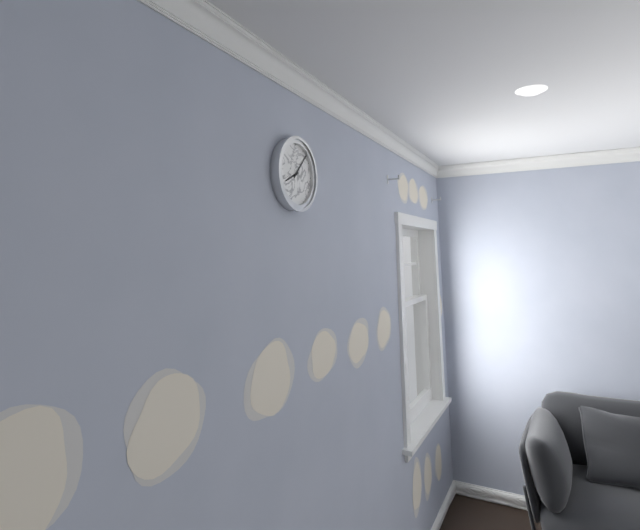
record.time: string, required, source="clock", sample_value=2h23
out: 8h07
